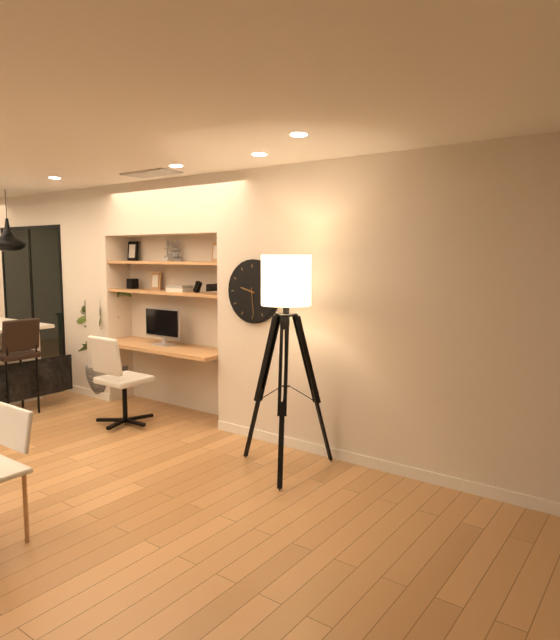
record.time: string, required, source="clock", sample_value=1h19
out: 9h29
